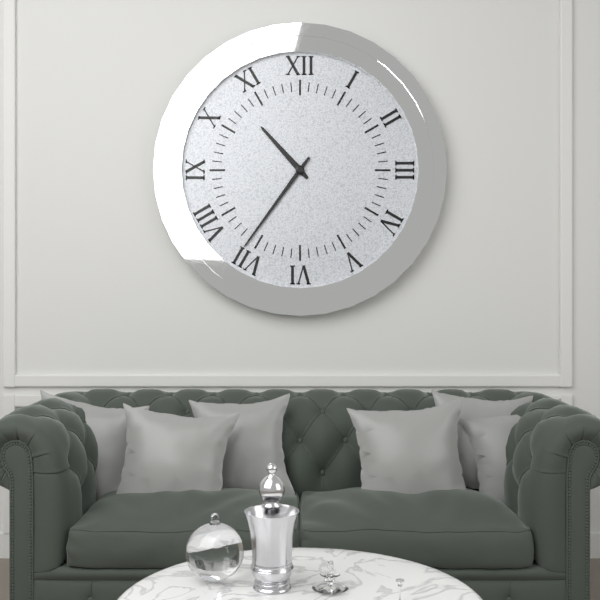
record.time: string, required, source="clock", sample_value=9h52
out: 10h36
